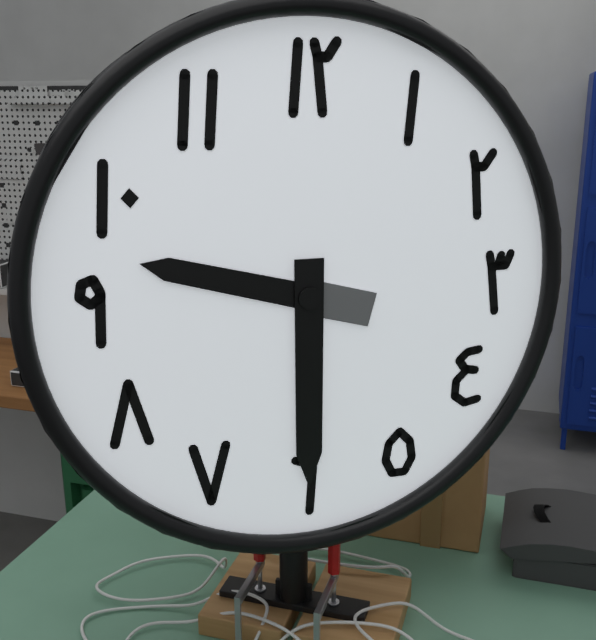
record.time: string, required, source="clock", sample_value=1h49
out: 9h30
